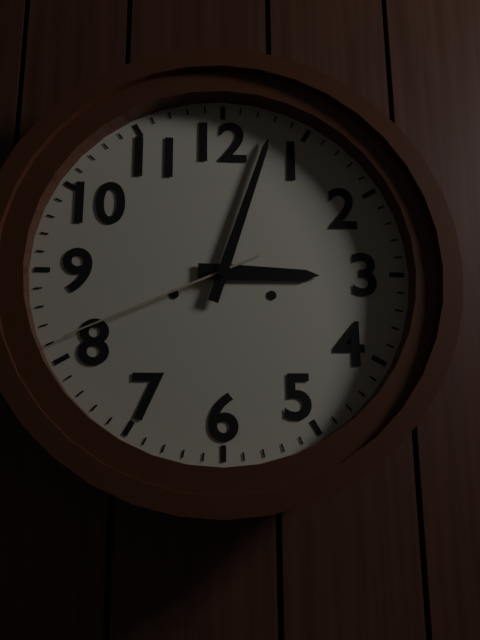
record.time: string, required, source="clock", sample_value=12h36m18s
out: 3h03m41s
